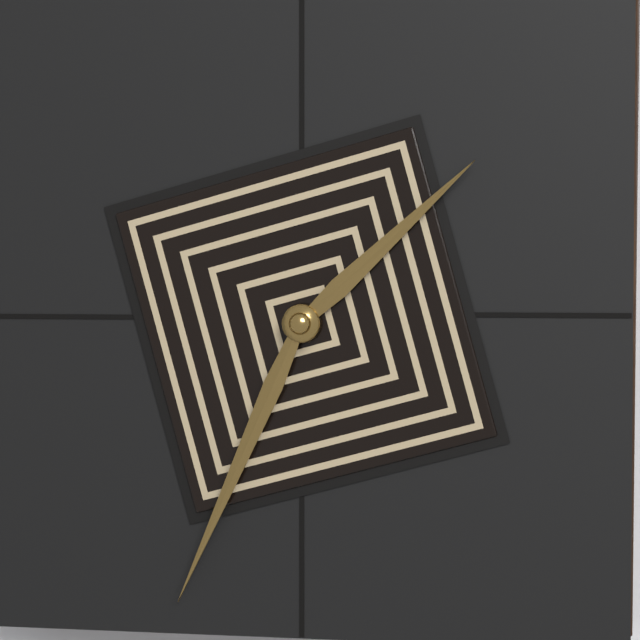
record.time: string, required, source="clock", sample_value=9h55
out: 1h34
